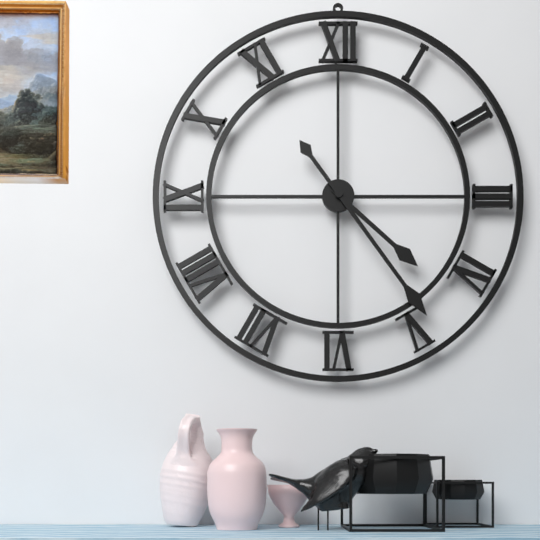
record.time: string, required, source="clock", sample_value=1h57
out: 4h24
